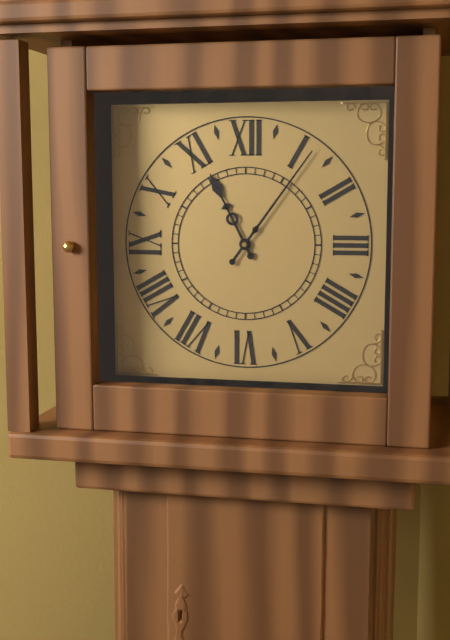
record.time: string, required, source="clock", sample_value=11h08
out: 11h06
